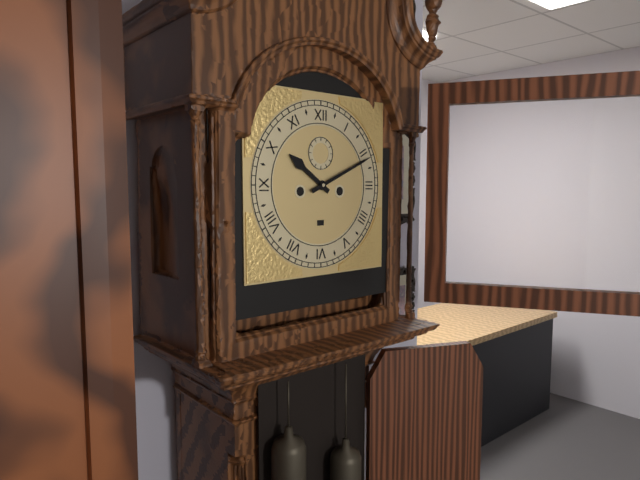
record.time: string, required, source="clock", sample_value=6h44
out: 10h11
